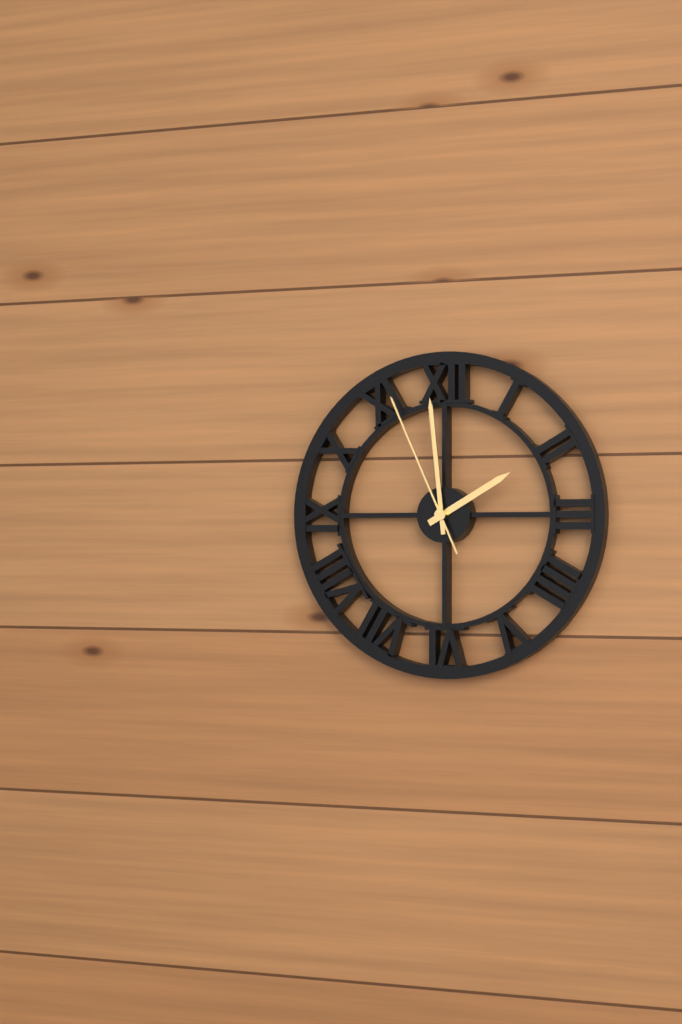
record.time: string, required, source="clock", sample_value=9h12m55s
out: 1h59m56s
